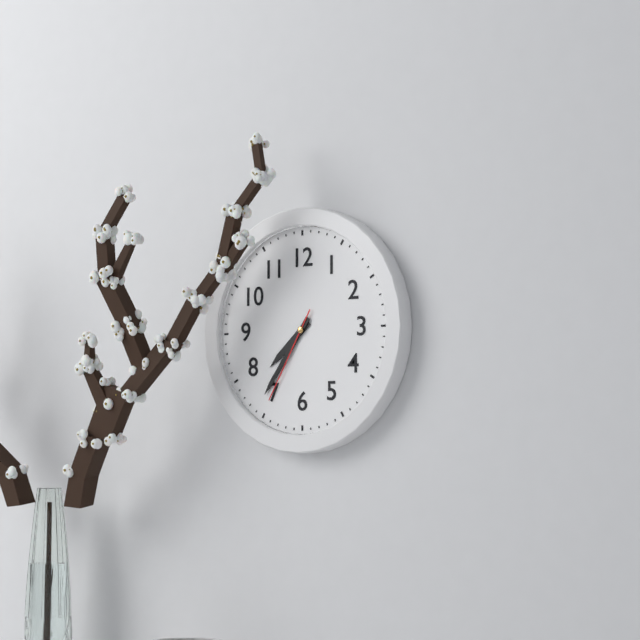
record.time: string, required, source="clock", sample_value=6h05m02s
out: 7h36m35s
